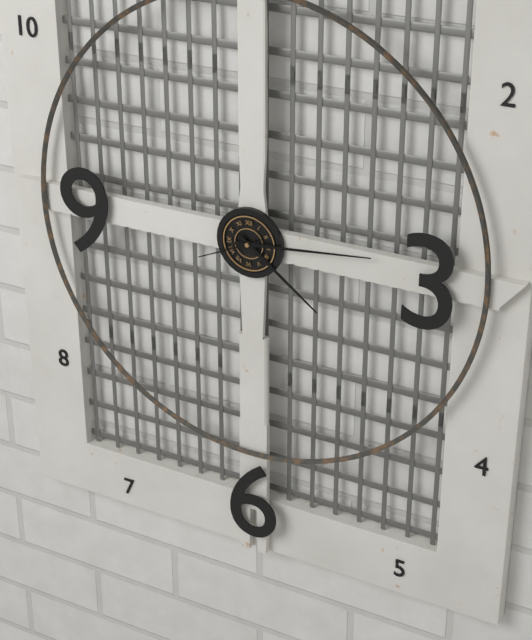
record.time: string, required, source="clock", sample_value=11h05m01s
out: 4h14m41s
